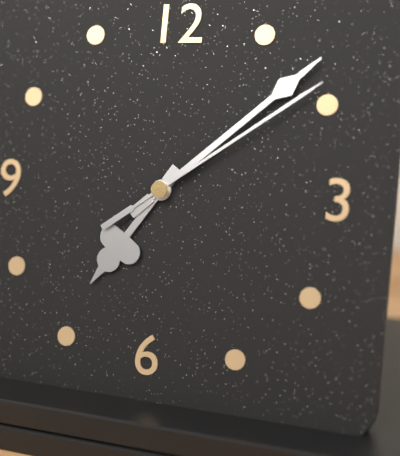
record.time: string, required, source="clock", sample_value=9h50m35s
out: 7h08m09s
